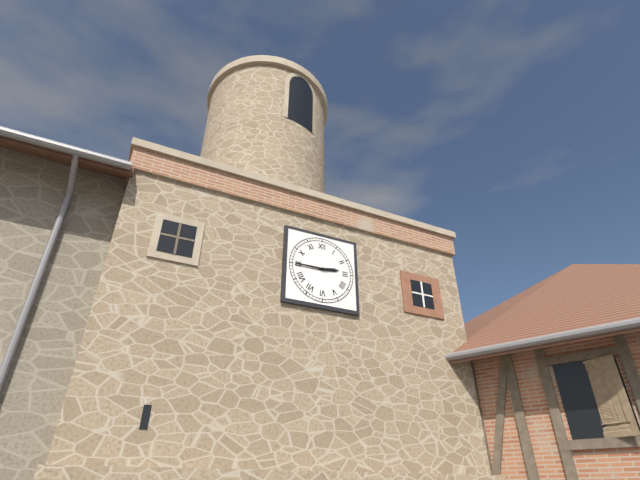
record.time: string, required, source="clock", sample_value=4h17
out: 2h45
